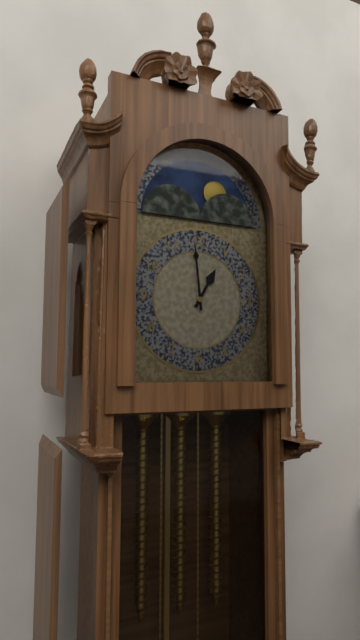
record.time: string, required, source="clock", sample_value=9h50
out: 12h59
